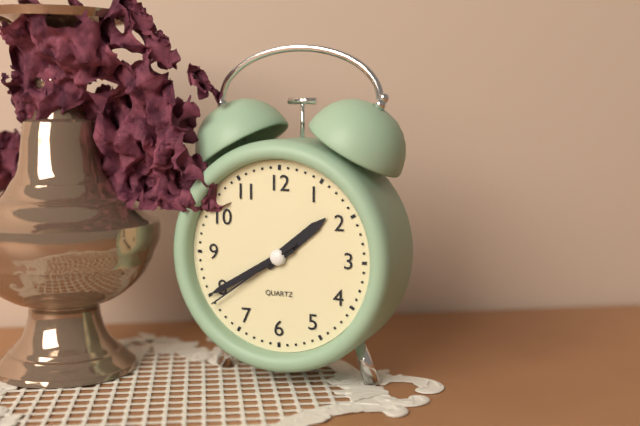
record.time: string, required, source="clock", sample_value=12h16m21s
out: 1h40m39s
